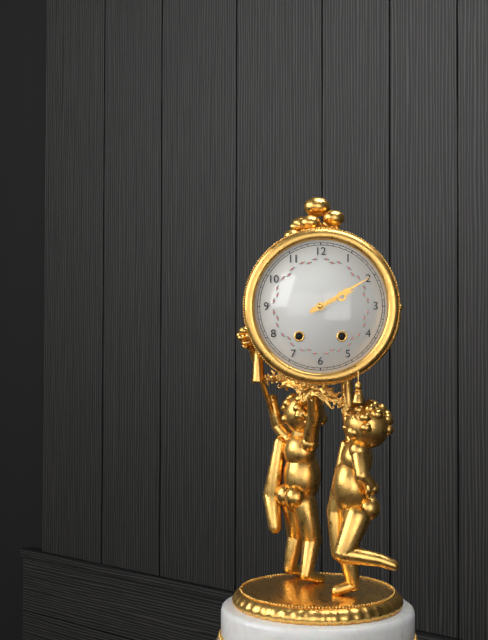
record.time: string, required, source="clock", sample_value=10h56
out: 2h10
